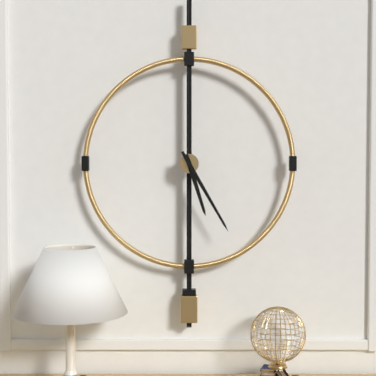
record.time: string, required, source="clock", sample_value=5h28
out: 5h25
